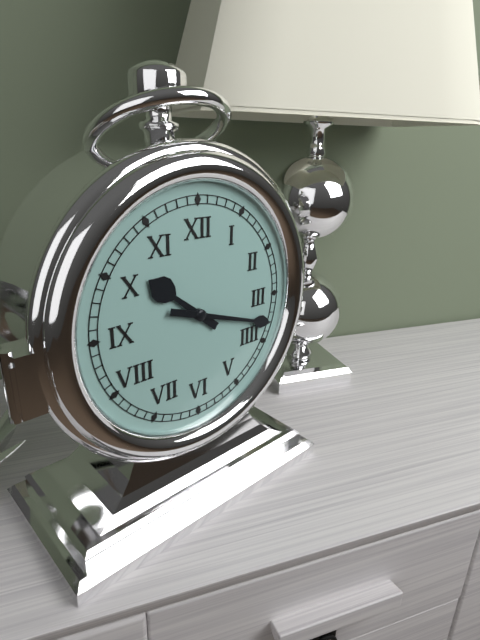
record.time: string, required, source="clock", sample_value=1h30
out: 10h18
